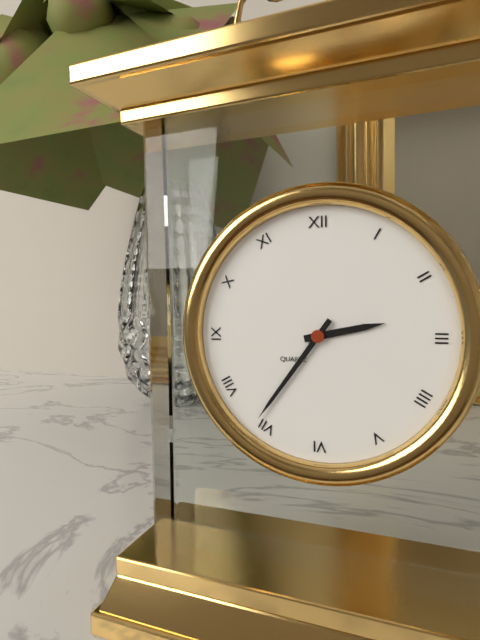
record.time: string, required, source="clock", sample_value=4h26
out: 2h36
